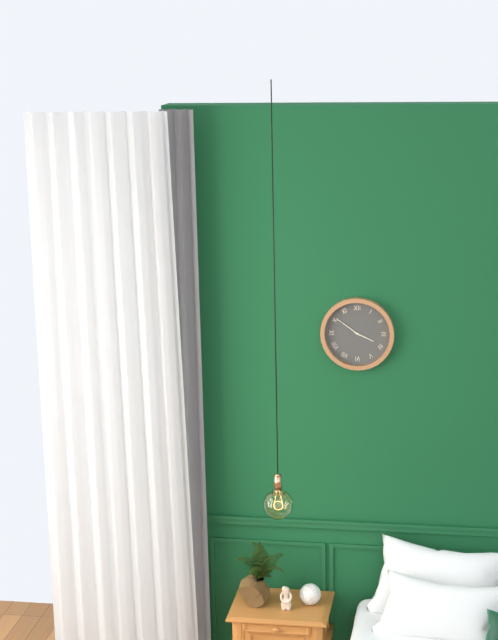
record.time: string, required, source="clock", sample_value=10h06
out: 3h51
